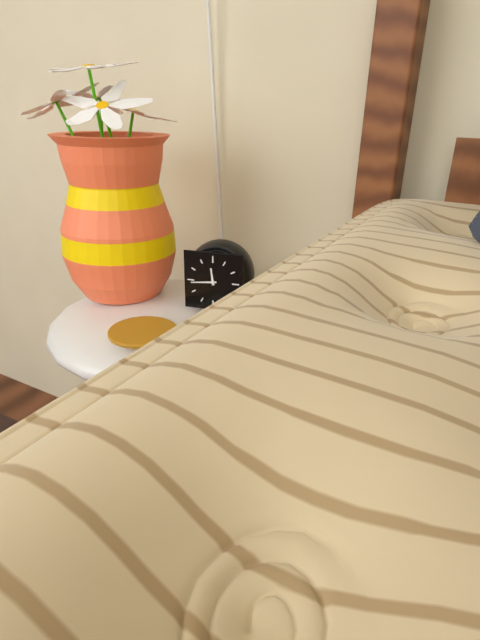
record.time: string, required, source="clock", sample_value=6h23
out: 11h44
